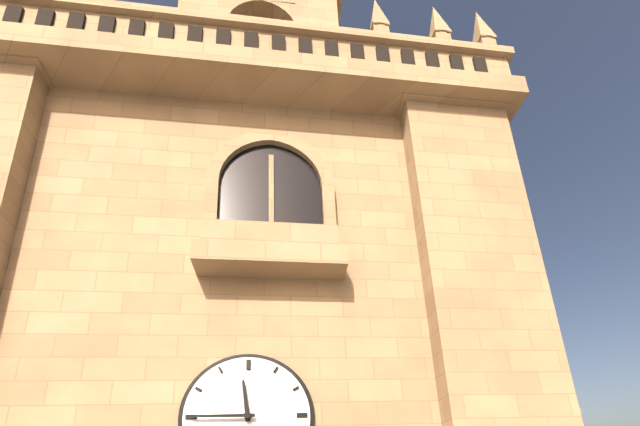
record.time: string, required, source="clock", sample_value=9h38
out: 11h45
